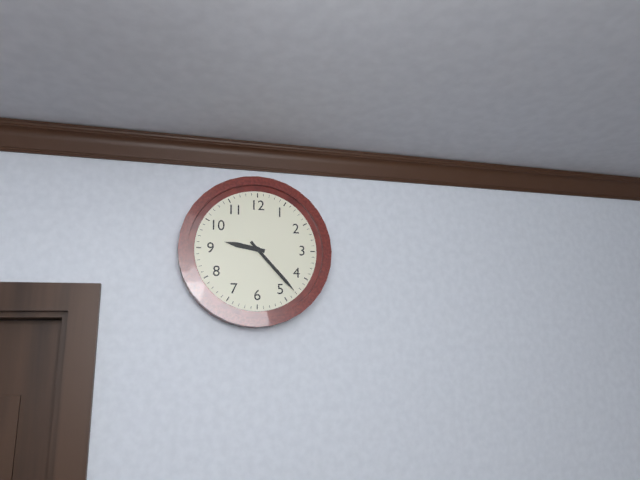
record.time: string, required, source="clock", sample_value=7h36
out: 9h23
